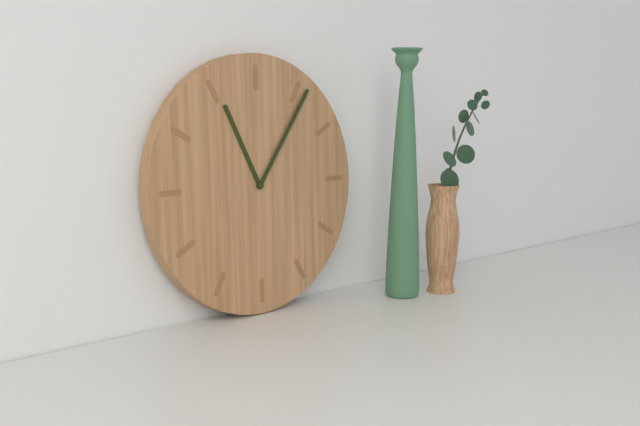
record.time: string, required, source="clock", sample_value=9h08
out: 11h06
